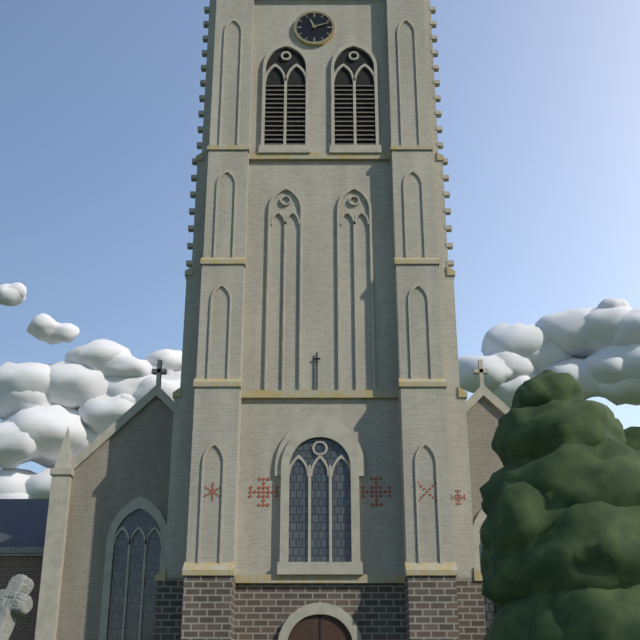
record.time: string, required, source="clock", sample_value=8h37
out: 11h12
